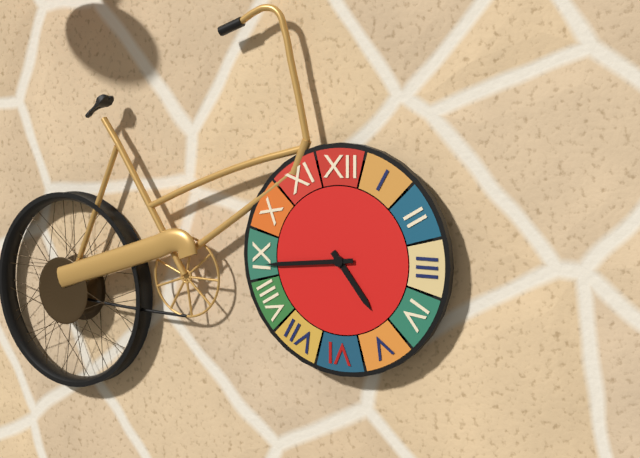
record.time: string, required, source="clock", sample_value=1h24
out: 4h44
